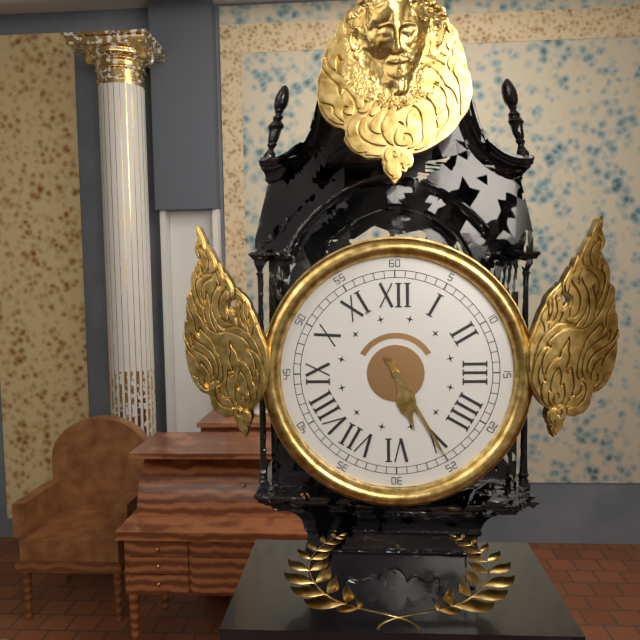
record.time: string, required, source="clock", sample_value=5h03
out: 5h25
